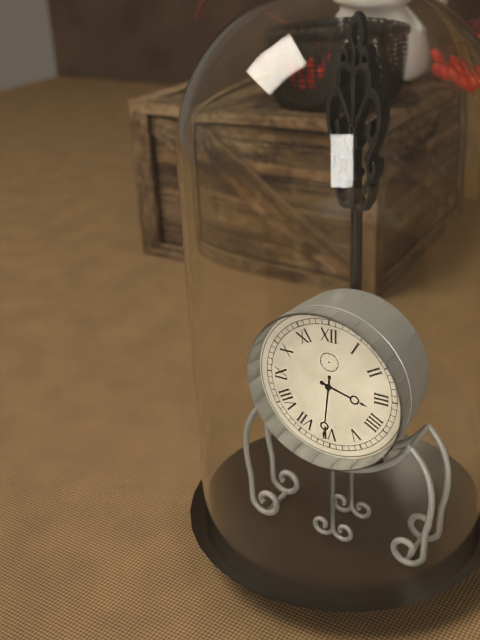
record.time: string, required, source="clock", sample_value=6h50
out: 3h31
